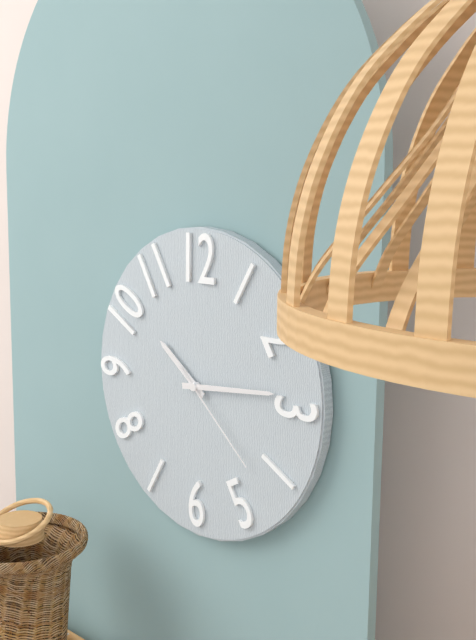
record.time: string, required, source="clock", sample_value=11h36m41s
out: 10h14m22s
